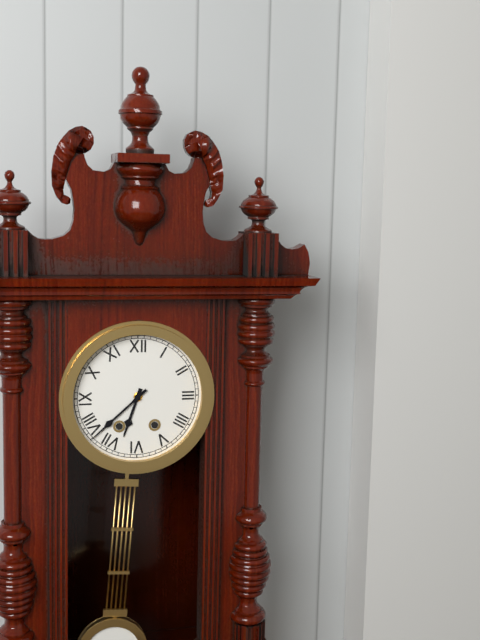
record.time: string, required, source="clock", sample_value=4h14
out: 6h38
